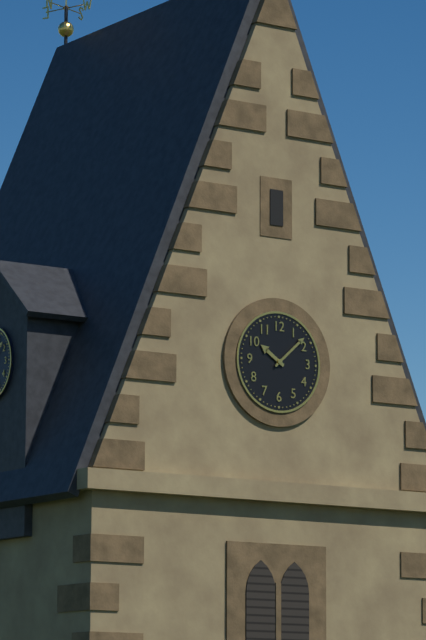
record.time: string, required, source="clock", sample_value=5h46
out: 10h08
